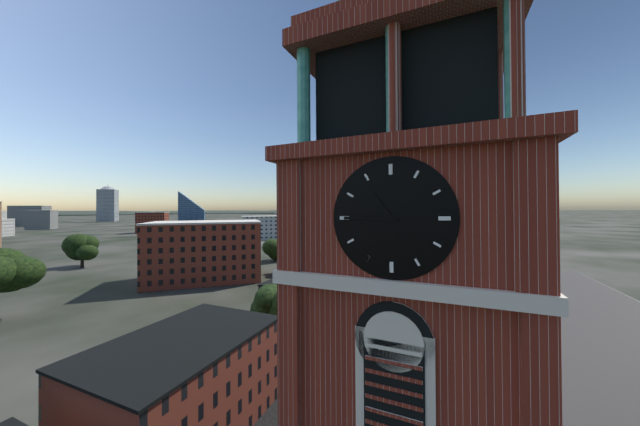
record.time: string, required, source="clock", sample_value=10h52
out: 10h45
